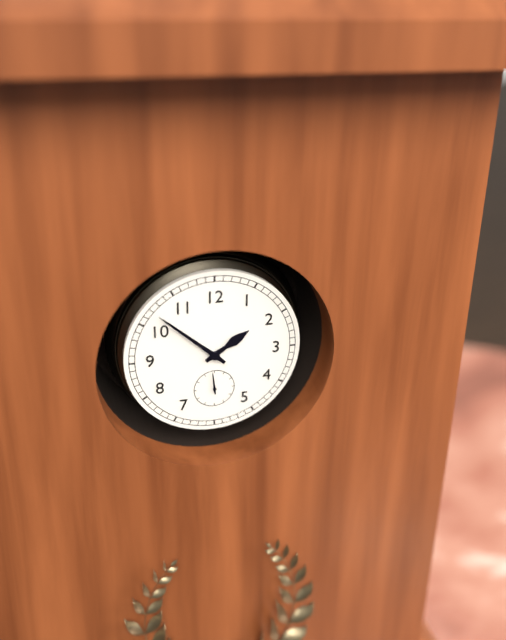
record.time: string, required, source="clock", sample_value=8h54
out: 1h52
